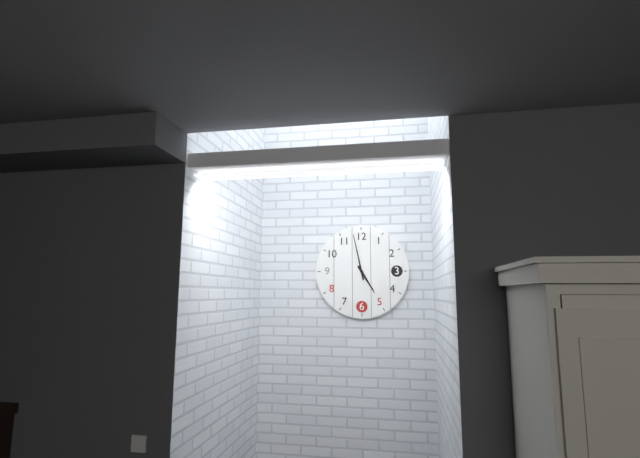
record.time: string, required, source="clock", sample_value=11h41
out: 4h58
